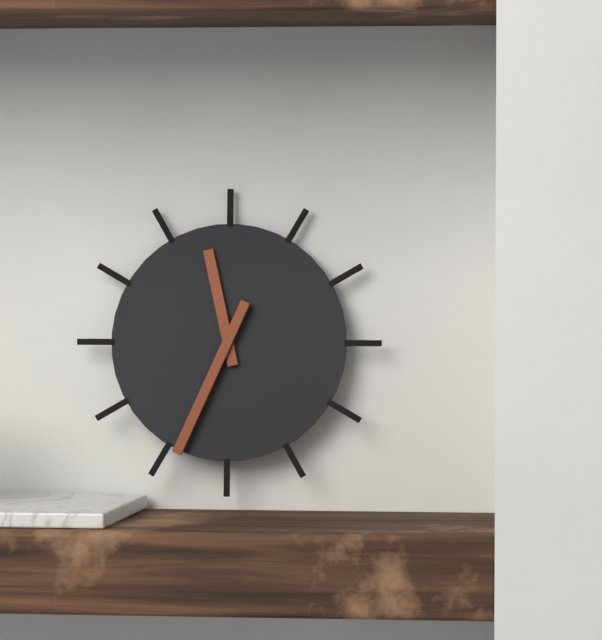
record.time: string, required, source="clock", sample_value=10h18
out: 11h34
